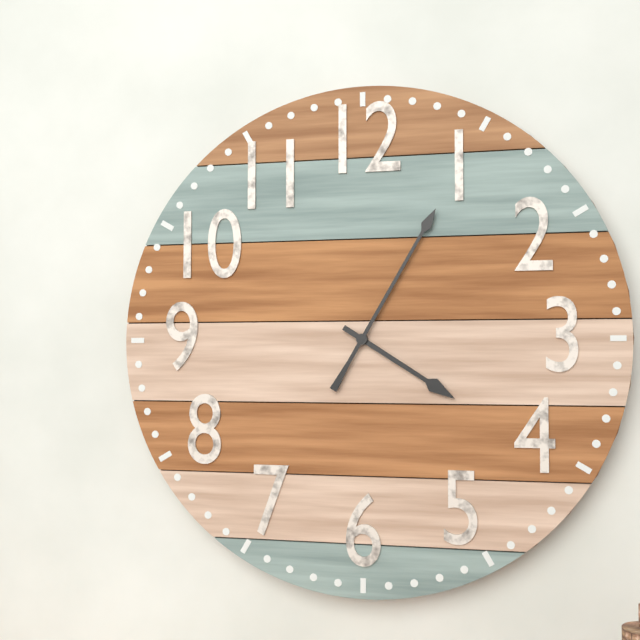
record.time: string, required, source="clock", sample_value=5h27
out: 4h05
